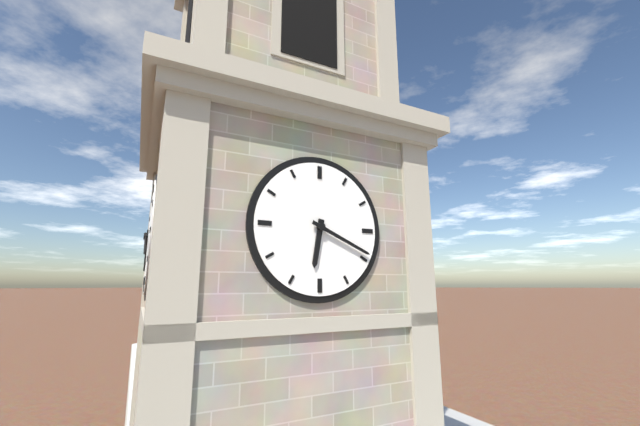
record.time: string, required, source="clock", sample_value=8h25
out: 6h19
